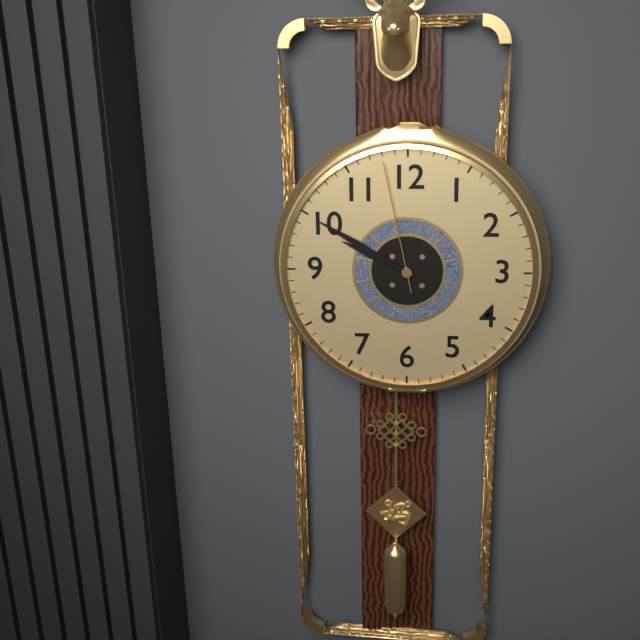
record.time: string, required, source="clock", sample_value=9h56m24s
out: 9h50m58s
